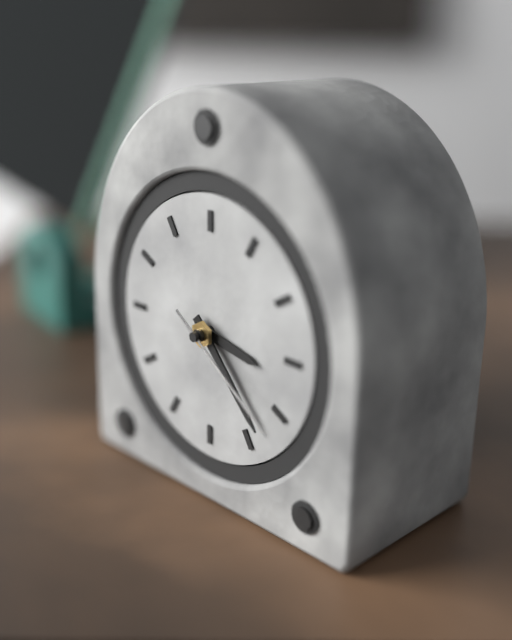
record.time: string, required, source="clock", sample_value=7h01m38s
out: 3h23m21s
